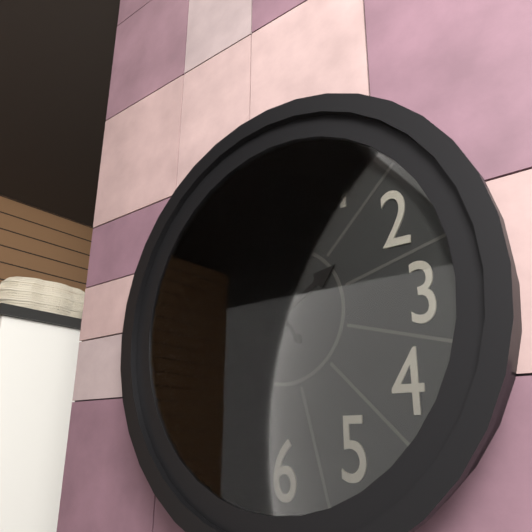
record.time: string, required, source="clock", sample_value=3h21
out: 1h54
